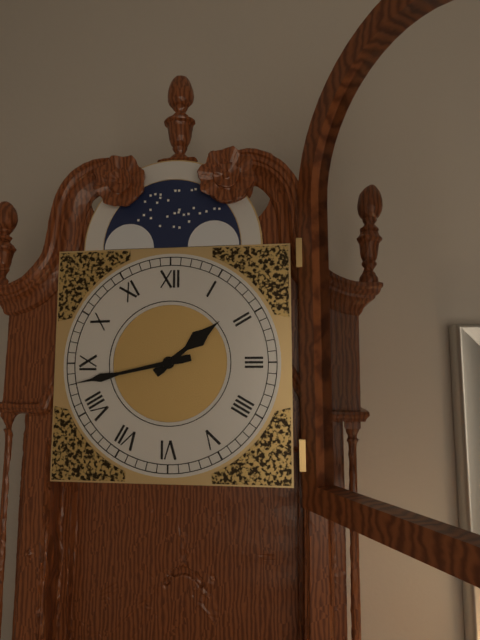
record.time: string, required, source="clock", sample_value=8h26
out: 1h43
